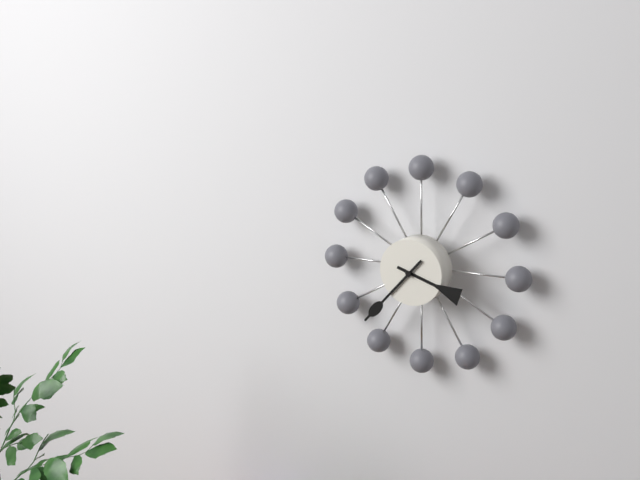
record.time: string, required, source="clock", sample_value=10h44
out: 3h37
